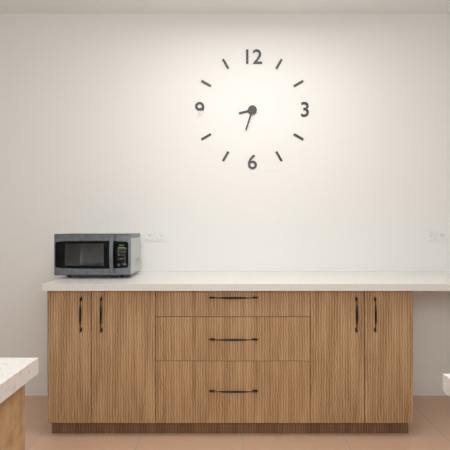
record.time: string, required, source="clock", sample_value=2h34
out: 8h33
